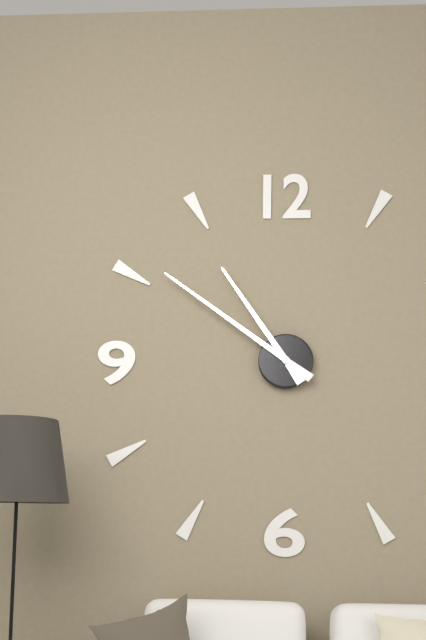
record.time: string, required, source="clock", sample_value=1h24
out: 10h51
